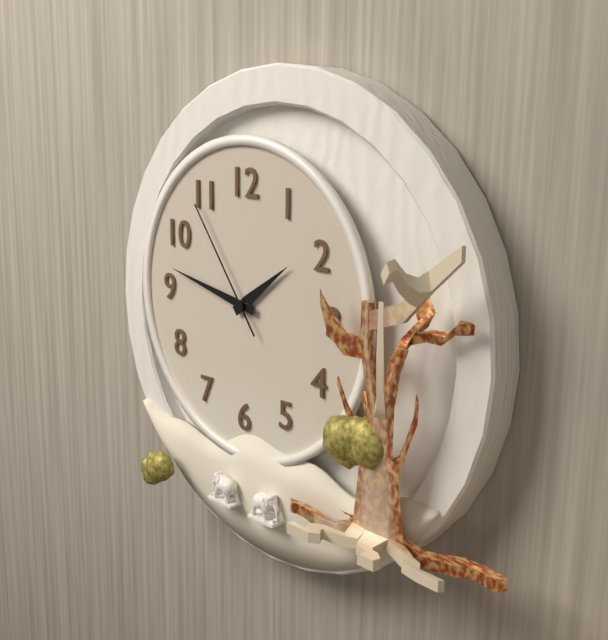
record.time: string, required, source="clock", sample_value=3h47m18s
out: 1h47m54s
